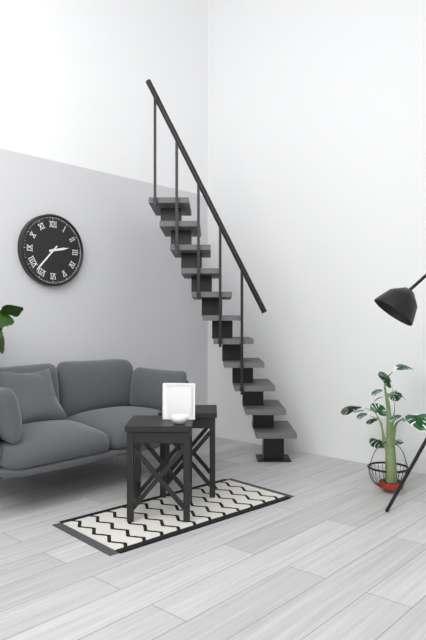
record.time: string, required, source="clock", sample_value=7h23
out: 2h37
